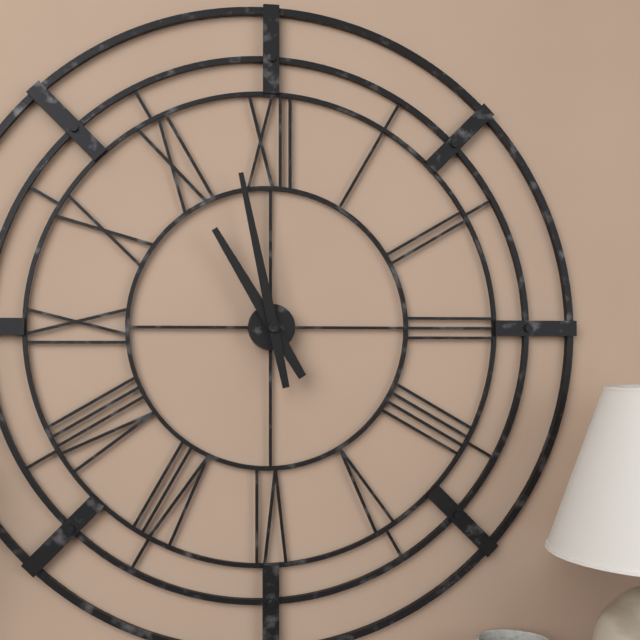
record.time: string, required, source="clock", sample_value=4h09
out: 10h58
